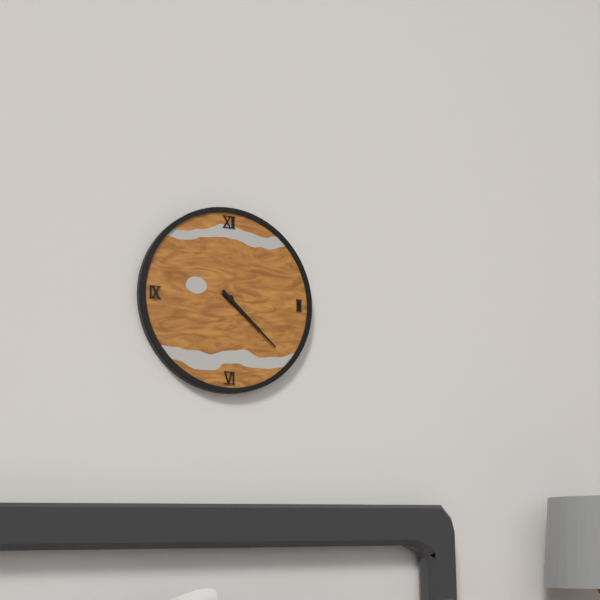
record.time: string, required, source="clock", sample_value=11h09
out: 4h22
